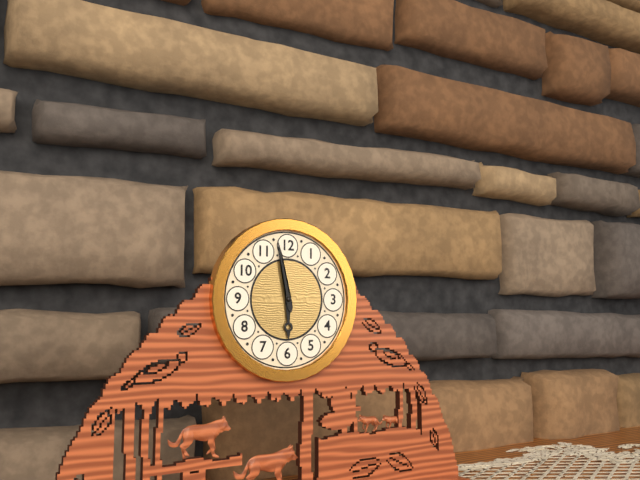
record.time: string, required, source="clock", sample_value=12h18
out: 5h58
